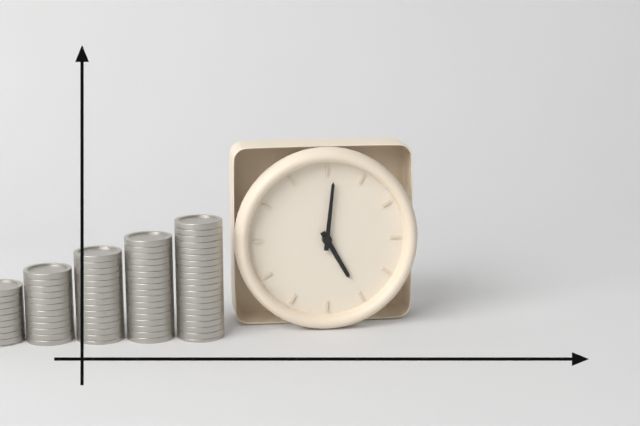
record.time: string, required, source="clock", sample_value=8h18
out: 5h01
